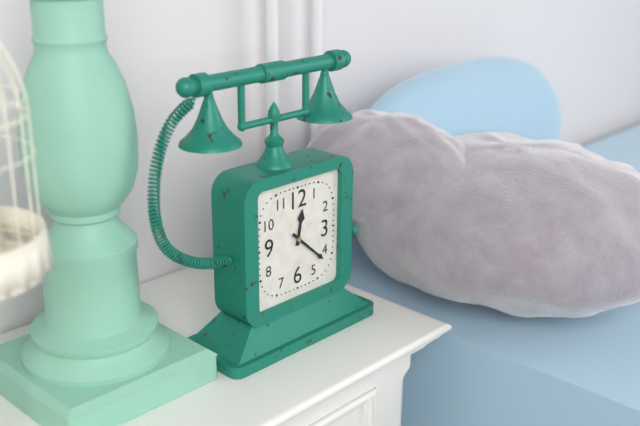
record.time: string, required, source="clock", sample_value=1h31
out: 12h22
